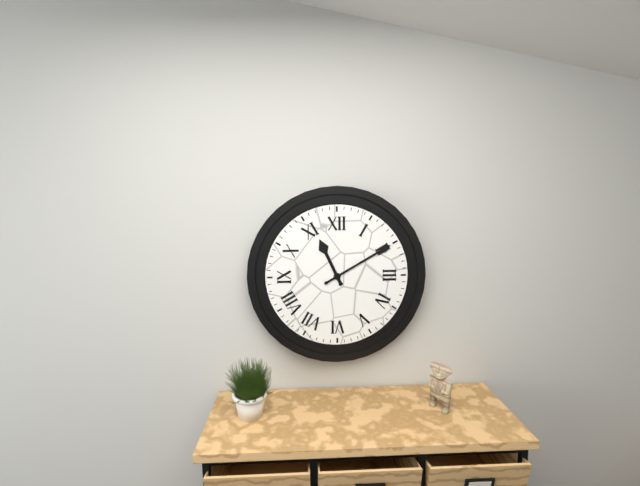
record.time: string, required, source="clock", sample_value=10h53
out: 11h10
